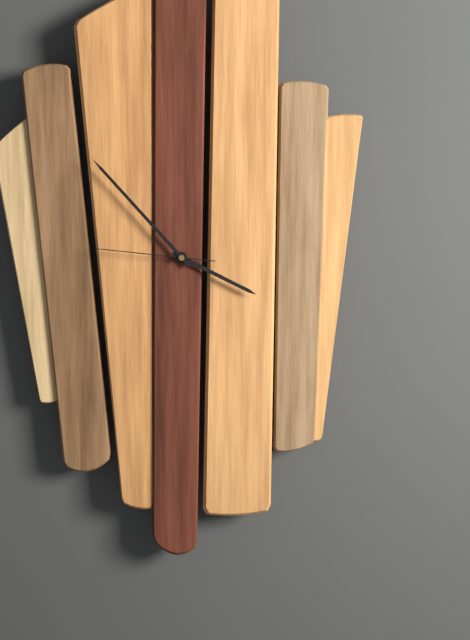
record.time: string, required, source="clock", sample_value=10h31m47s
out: 3h53m46s
